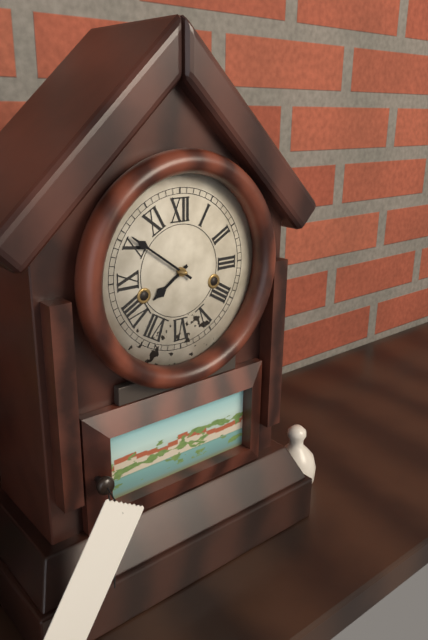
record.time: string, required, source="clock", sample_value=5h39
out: 7h51
